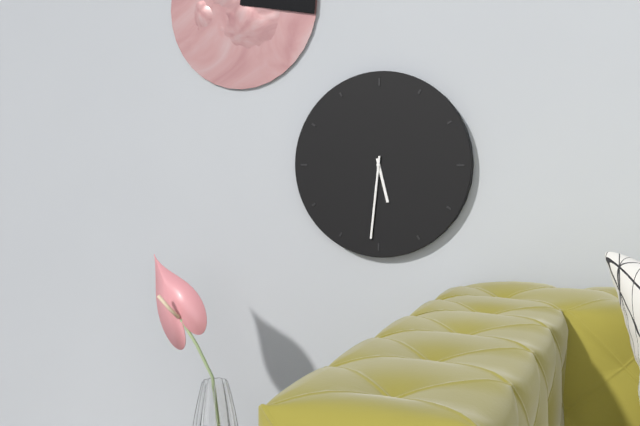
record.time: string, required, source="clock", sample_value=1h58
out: 5h31
